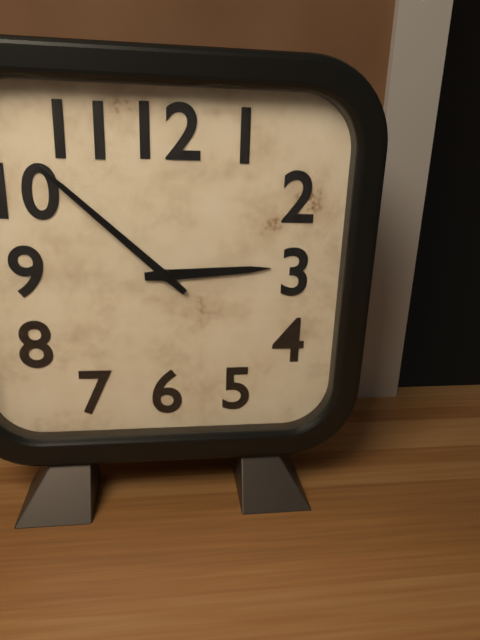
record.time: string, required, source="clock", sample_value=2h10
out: 2h52
